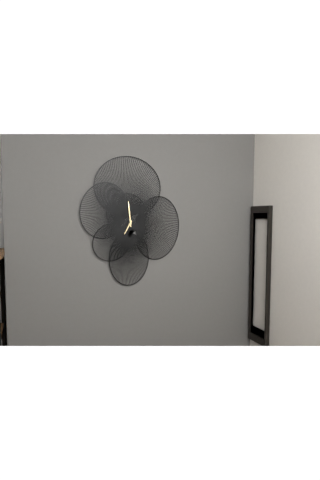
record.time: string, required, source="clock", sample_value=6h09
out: 6h59
